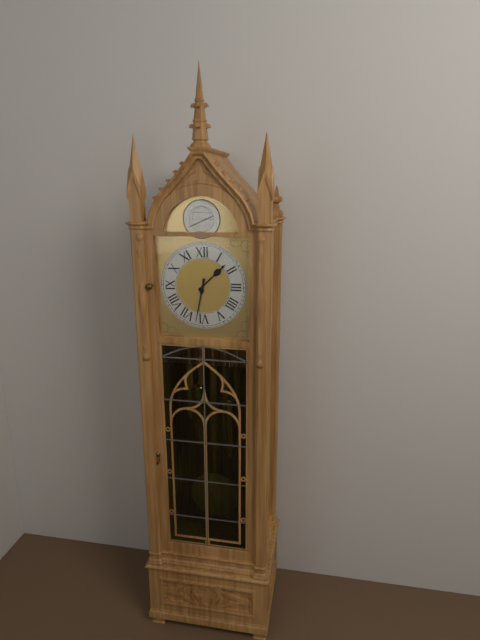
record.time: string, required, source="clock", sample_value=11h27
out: 1h32
